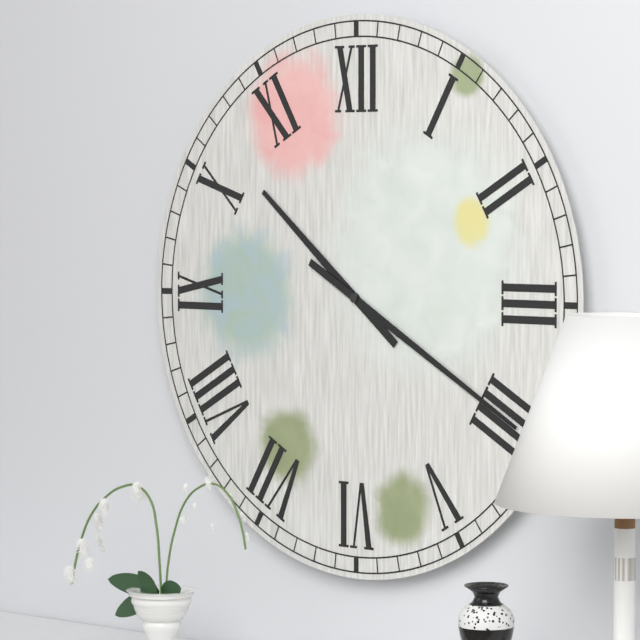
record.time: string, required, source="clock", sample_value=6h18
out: 10h20
